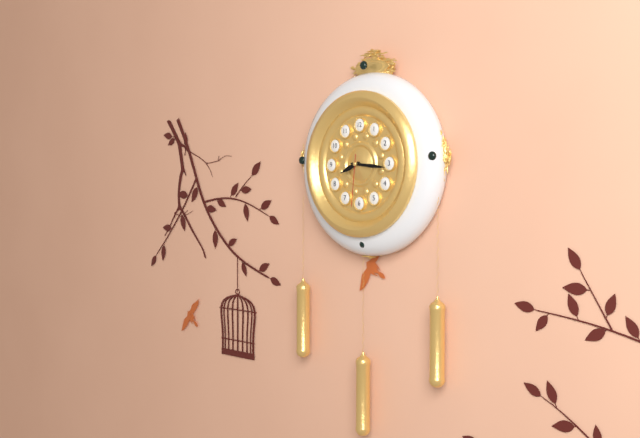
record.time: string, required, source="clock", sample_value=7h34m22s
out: 8h16m31s
